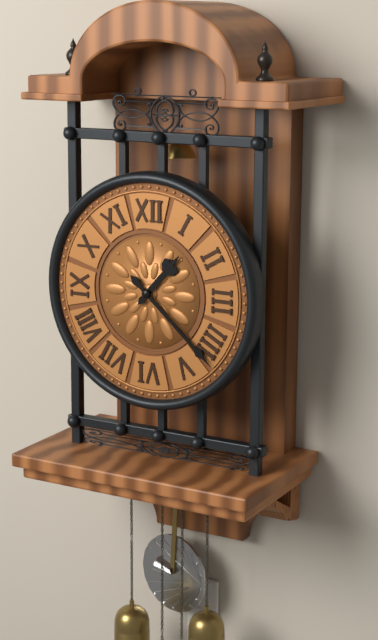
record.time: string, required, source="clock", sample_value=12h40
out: 1h22
